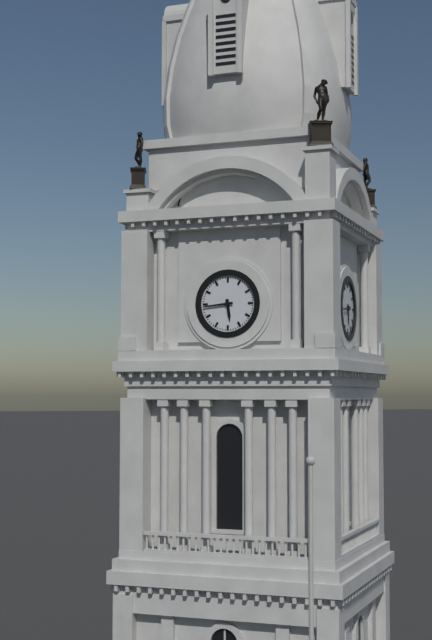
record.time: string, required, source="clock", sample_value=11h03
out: 5h44
